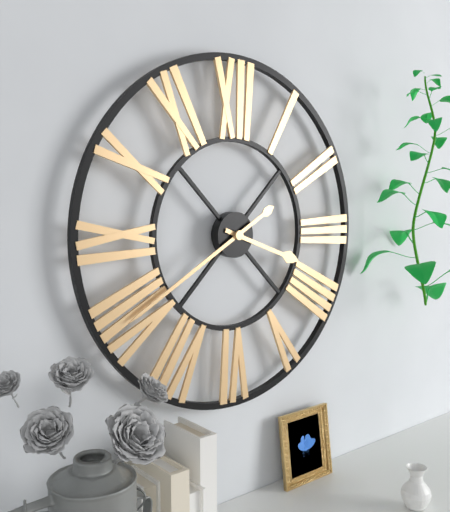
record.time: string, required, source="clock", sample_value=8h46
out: 3h40
